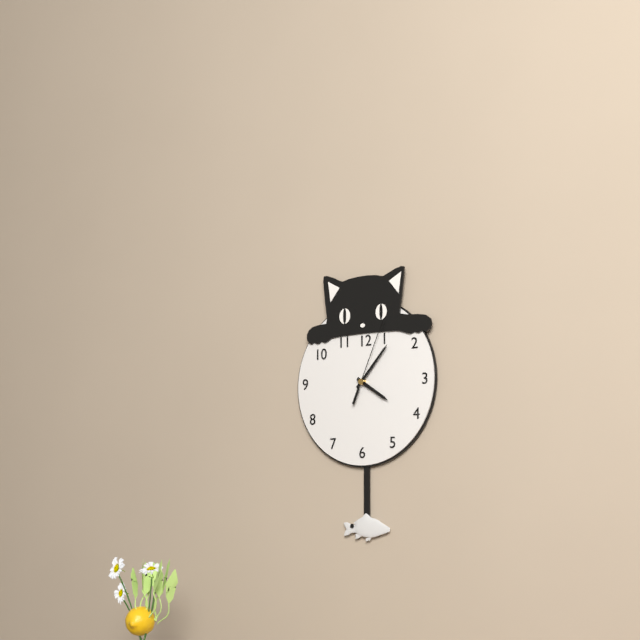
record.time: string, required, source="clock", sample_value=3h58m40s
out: 4h07m04s
